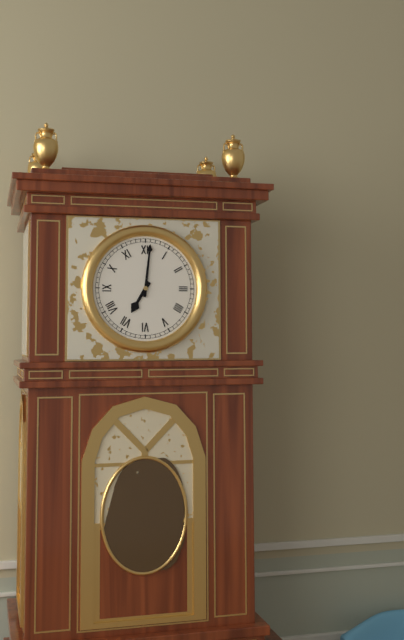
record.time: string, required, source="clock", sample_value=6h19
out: 7h01
